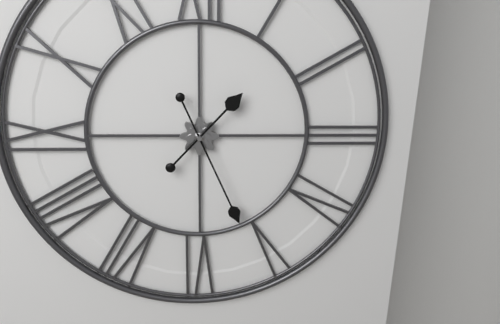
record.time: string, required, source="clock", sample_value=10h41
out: 1h26
